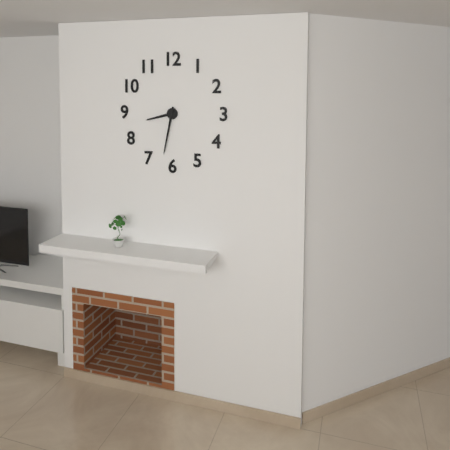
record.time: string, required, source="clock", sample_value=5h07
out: 8h32
